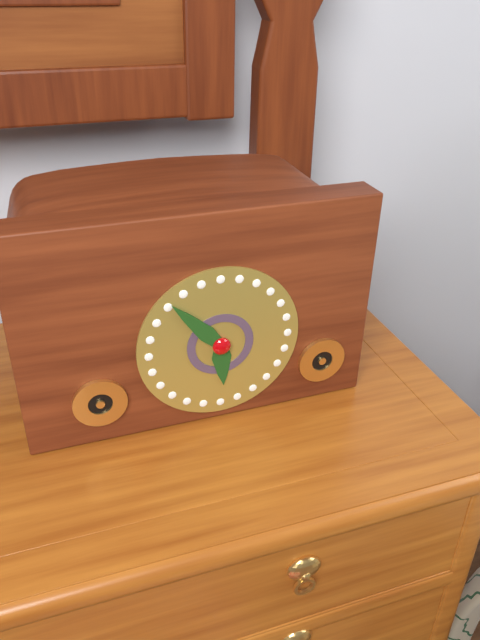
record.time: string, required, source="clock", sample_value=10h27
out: 5h53
